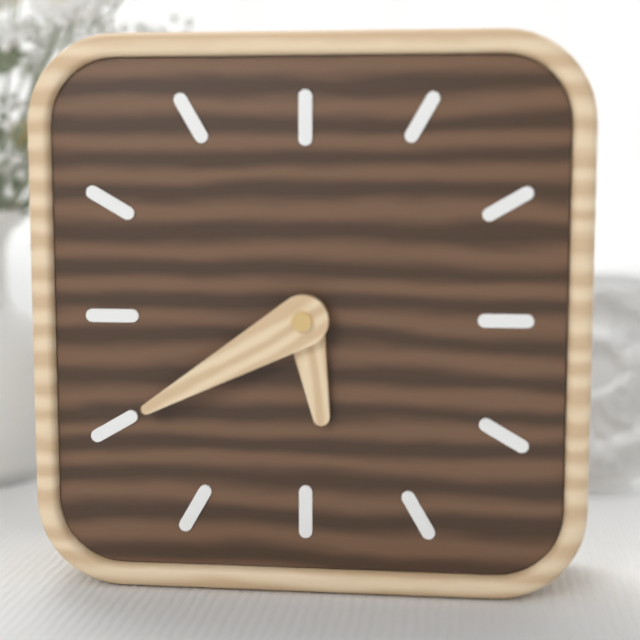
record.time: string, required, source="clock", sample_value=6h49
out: 5h40
